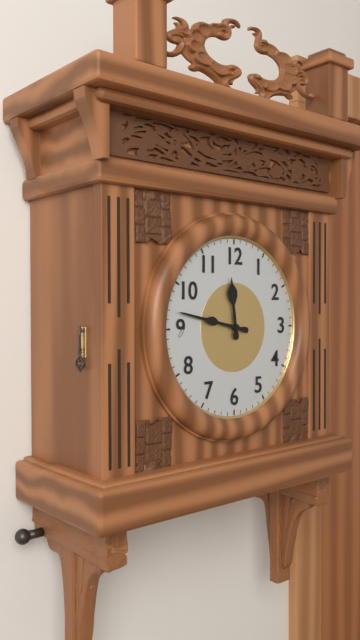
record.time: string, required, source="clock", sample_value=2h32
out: 11h47
